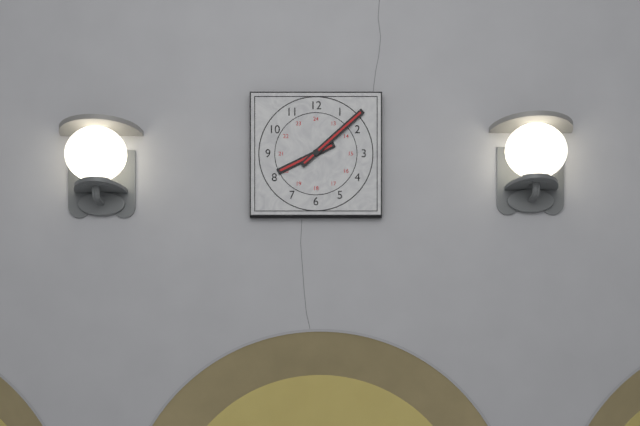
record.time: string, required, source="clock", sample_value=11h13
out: 8h08
